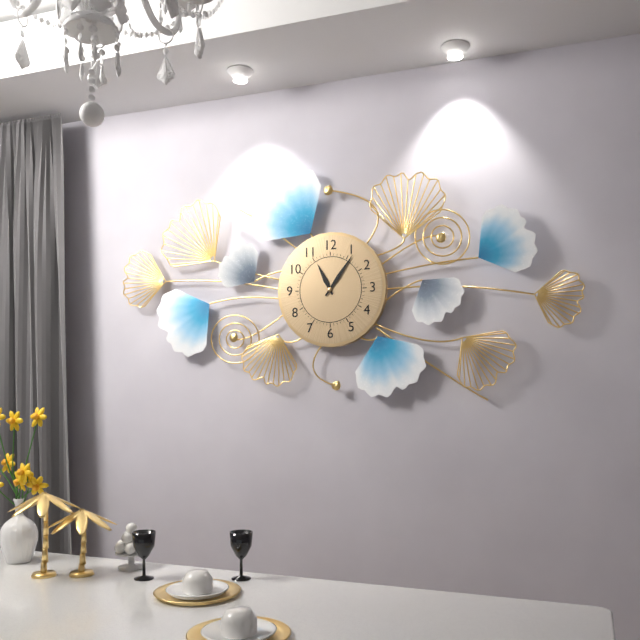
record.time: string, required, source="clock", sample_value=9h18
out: 11h06
